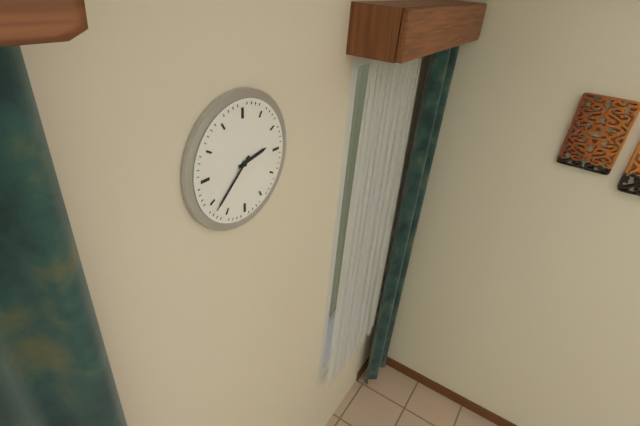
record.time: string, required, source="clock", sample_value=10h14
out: 2h38
